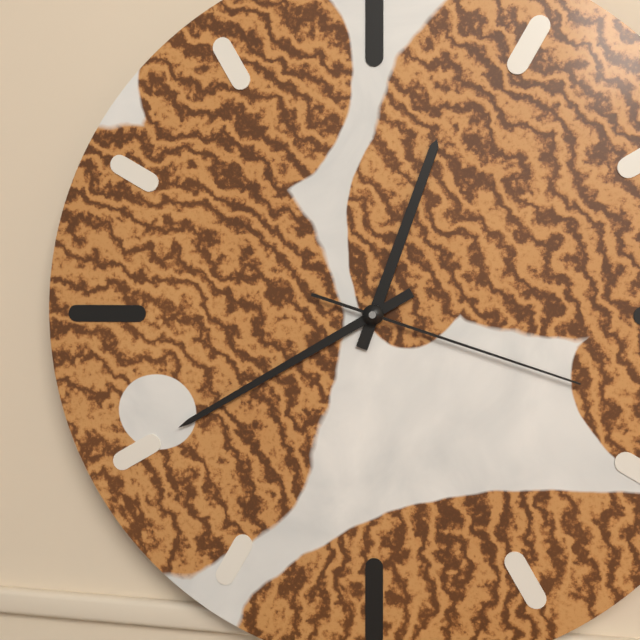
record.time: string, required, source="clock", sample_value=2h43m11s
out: 12h40m18s
